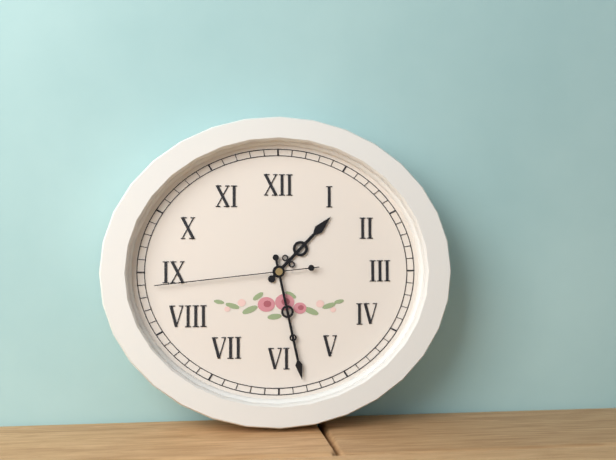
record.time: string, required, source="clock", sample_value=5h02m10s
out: 1h28m44s
